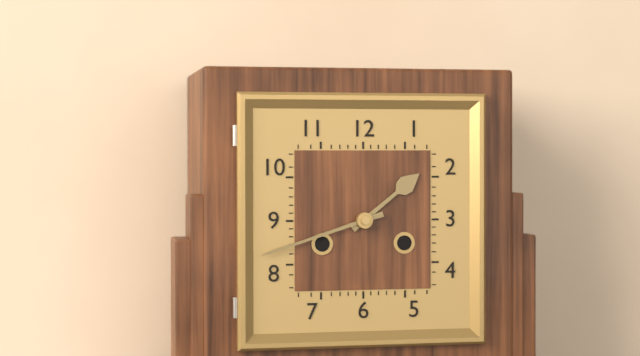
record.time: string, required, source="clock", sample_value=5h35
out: 1h42
